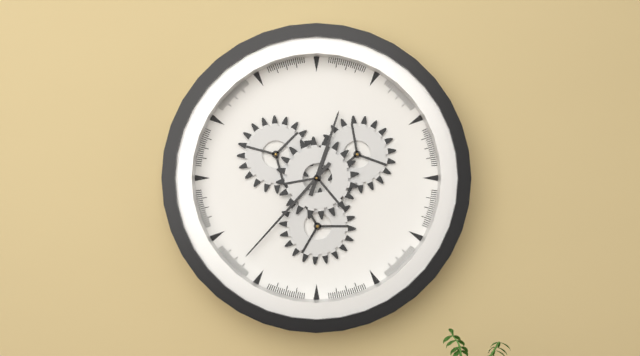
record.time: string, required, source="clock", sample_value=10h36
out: 12h37
